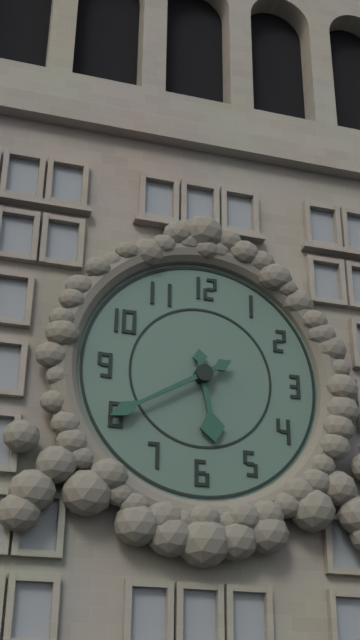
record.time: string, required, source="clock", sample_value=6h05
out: 5h40
